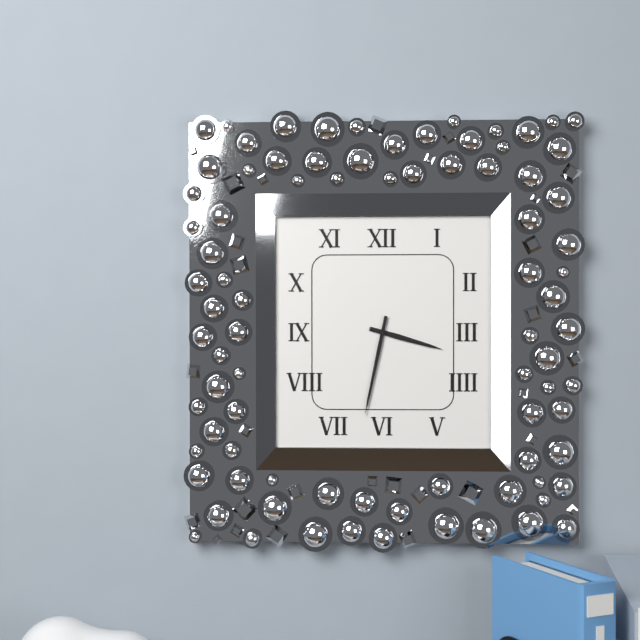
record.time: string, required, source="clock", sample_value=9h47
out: 3h32
